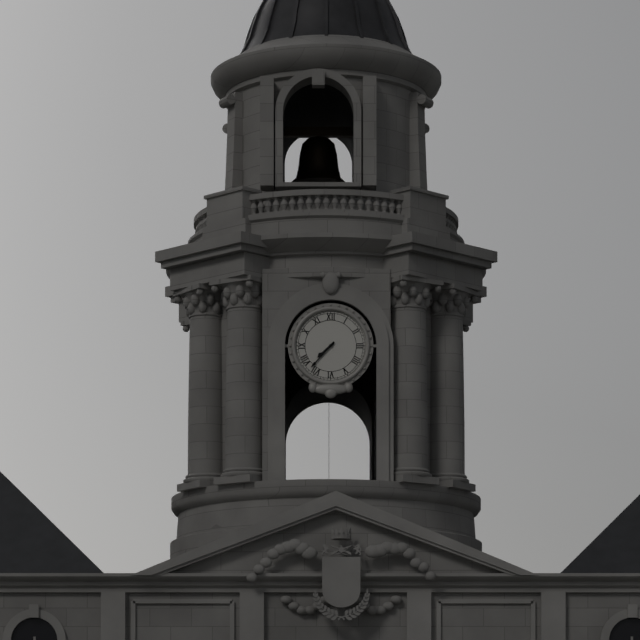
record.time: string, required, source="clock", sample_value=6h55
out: 7h37
